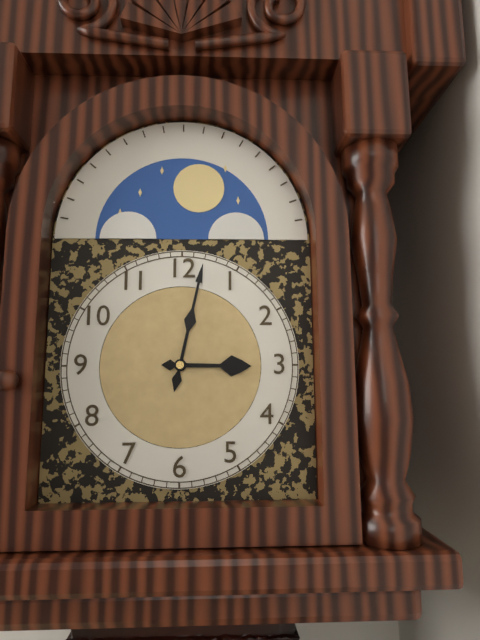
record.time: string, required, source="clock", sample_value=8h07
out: 3h02
